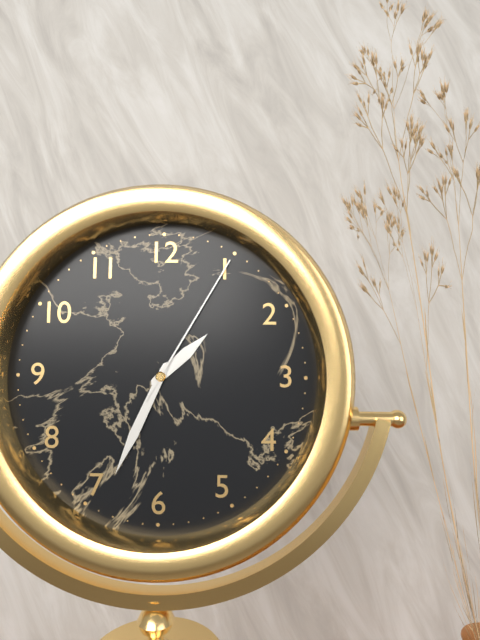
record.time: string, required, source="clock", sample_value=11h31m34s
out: 1h34m05s
